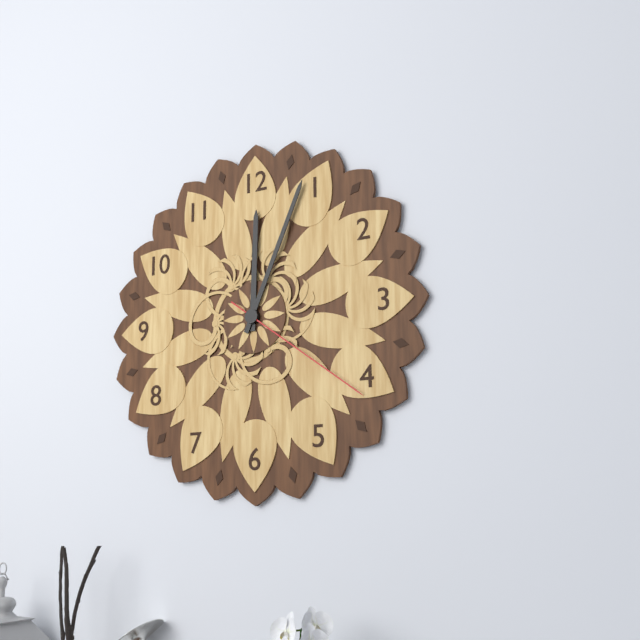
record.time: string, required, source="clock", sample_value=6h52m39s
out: 12h04m21s
